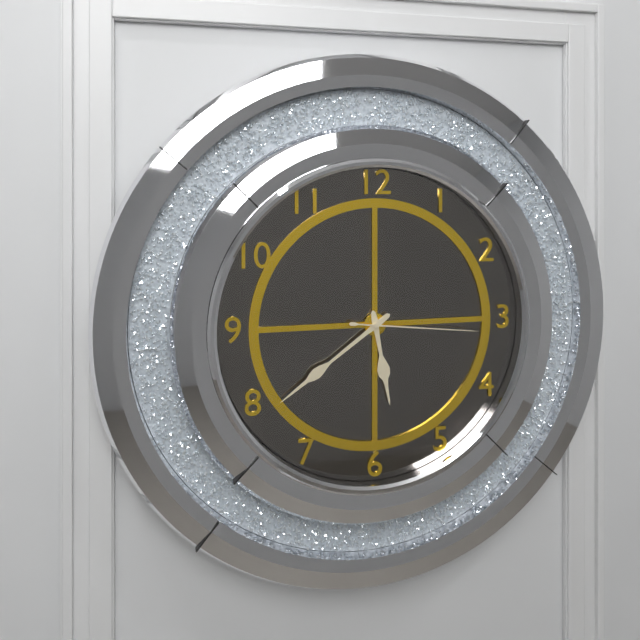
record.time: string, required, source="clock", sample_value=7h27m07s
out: 5h39m16s
